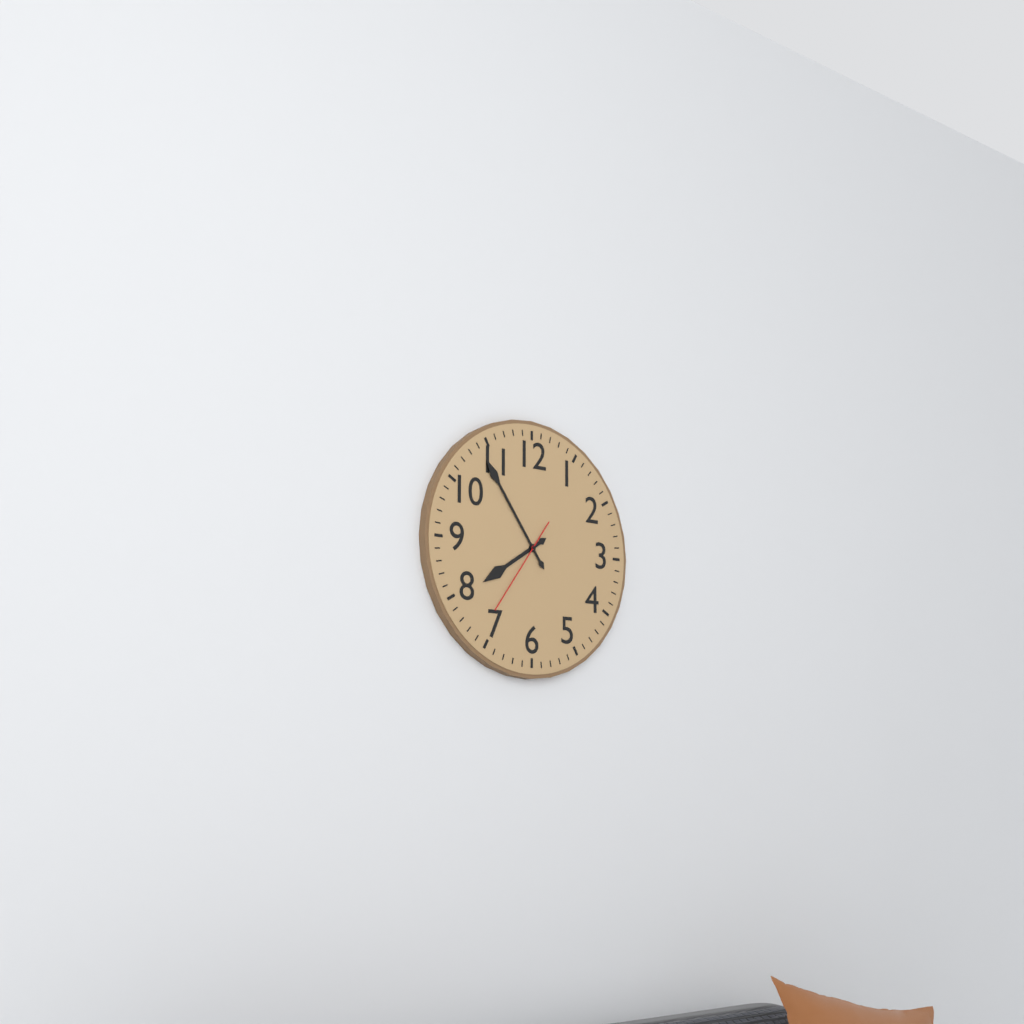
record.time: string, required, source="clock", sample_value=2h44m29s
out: 7h54m36s
